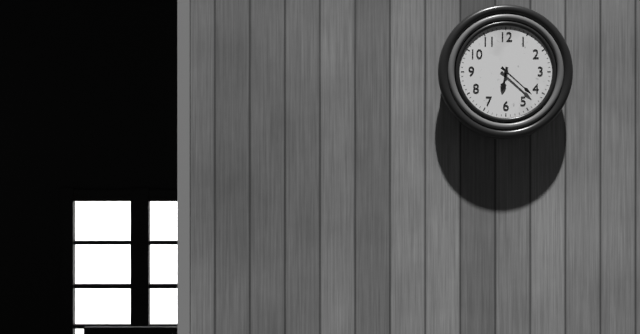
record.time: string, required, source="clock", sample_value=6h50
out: 6h22
